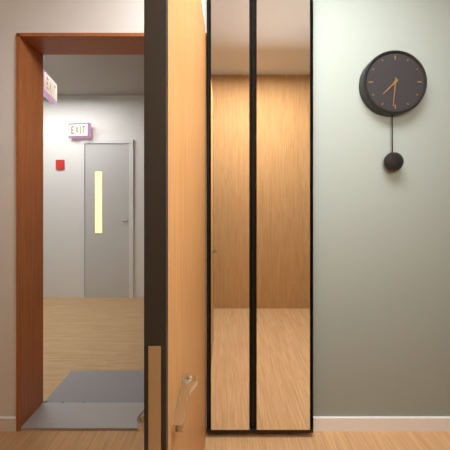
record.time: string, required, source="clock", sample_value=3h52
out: 7h31
